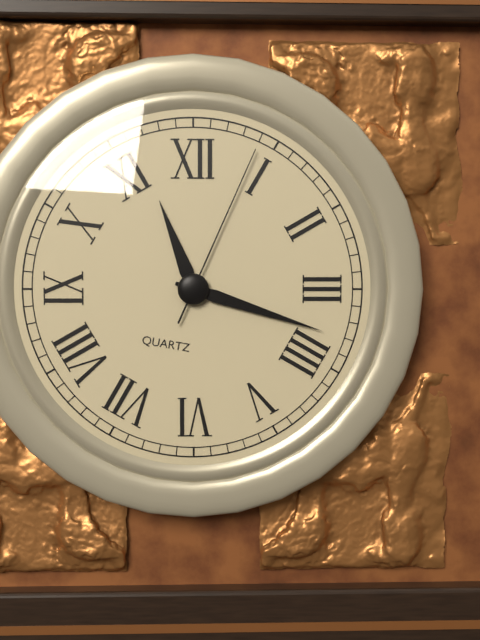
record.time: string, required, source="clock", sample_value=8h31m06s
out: 11h18m04s
